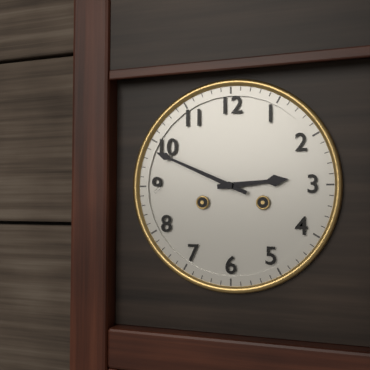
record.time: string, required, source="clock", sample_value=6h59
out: 2h49
